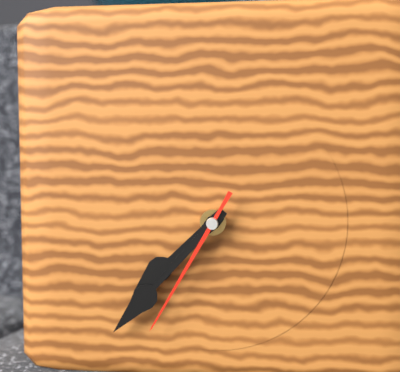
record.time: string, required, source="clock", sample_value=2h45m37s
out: 7h37m35s
